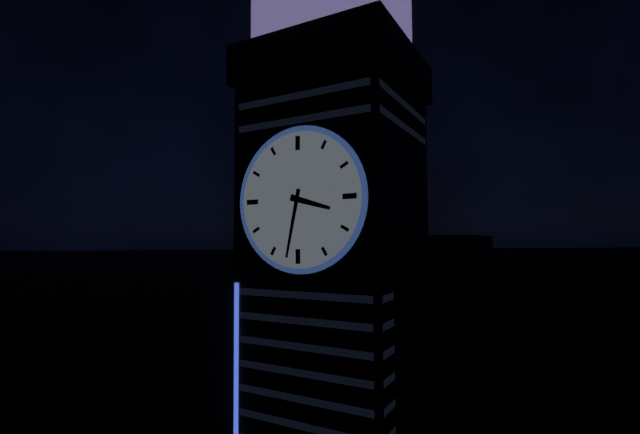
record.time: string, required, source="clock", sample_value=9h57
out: 3h32
